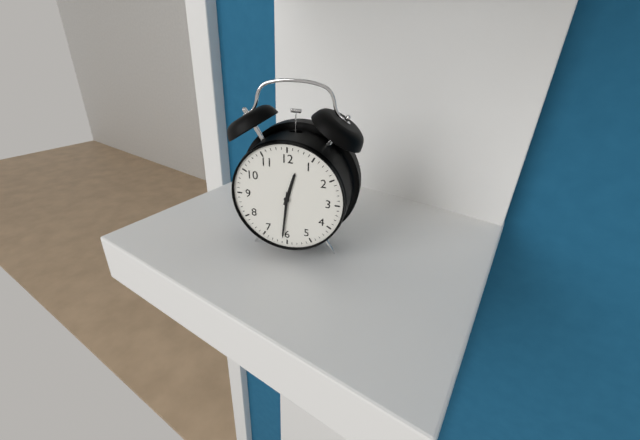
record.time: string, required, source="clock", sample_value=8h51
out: 12h31
